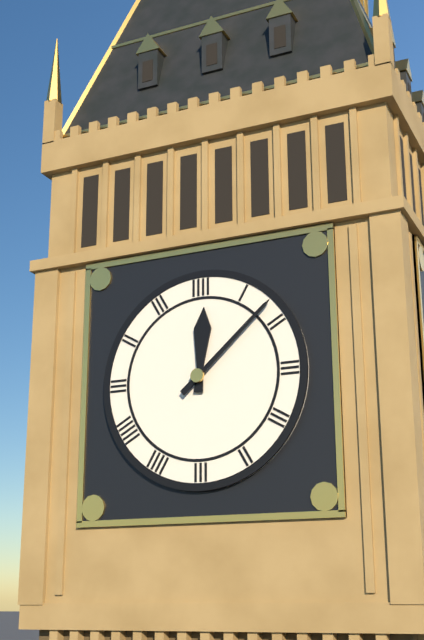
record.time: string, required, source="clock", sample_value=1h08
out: 12h08
